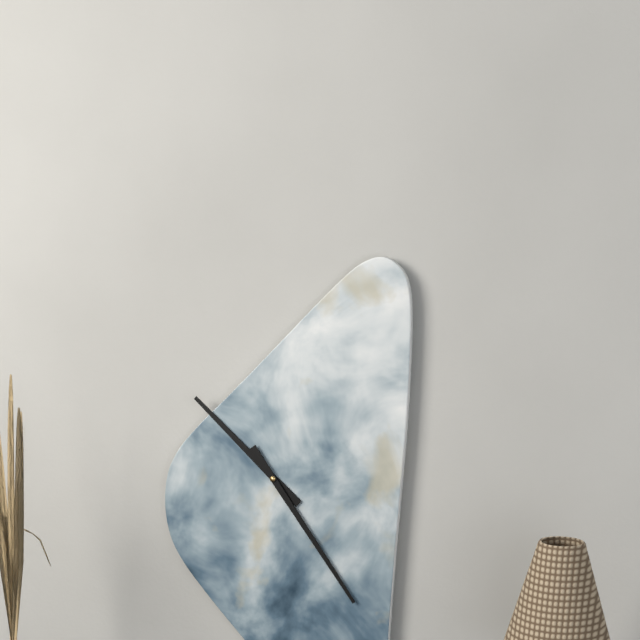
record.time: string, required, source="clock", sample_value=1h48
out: 10h24
